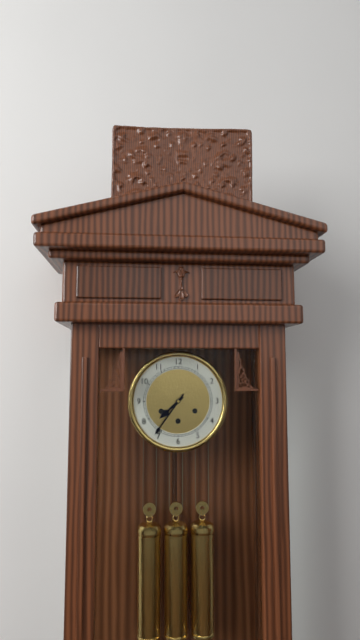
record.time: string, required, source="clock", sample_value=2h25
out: 7h36
